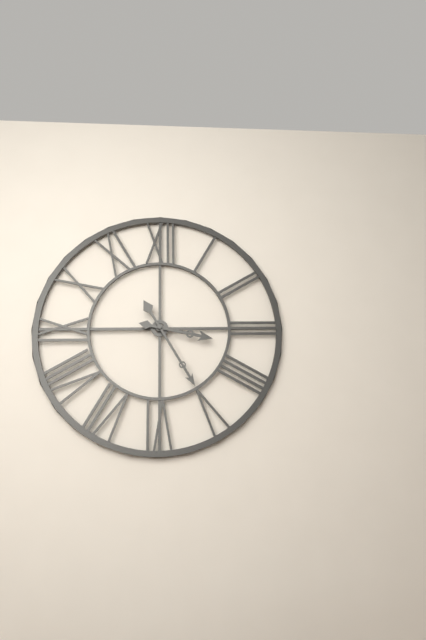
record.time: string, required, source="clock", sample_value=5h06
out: 3h25
